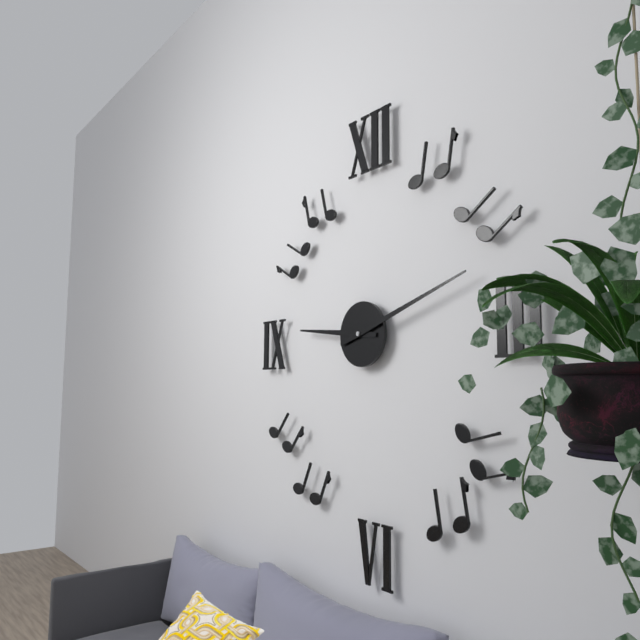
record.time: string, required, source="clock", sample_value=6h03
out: 9h12
